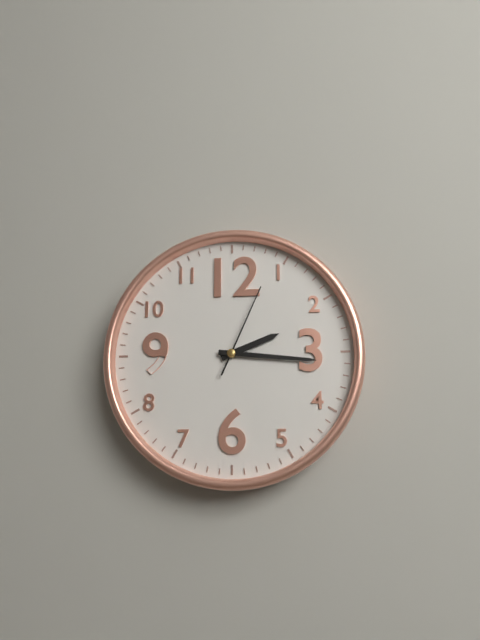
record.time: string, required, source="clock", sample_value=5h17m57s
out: 2h16m04s
